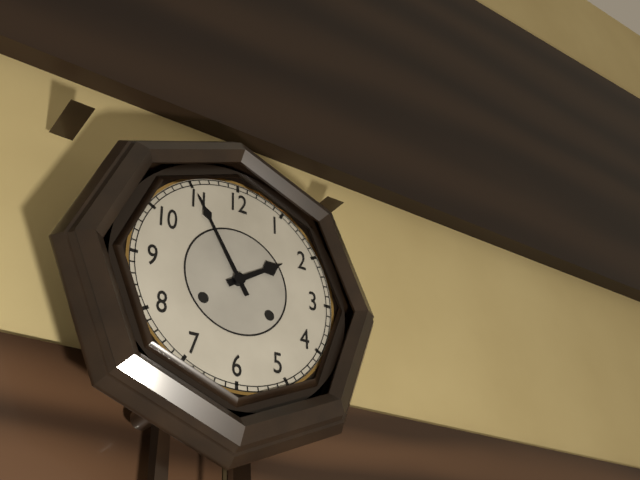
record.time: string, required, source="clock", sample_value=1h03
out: 1h55
